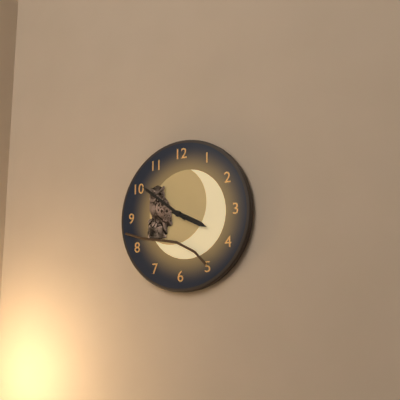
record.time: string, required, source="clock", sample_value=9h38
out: 3h51
